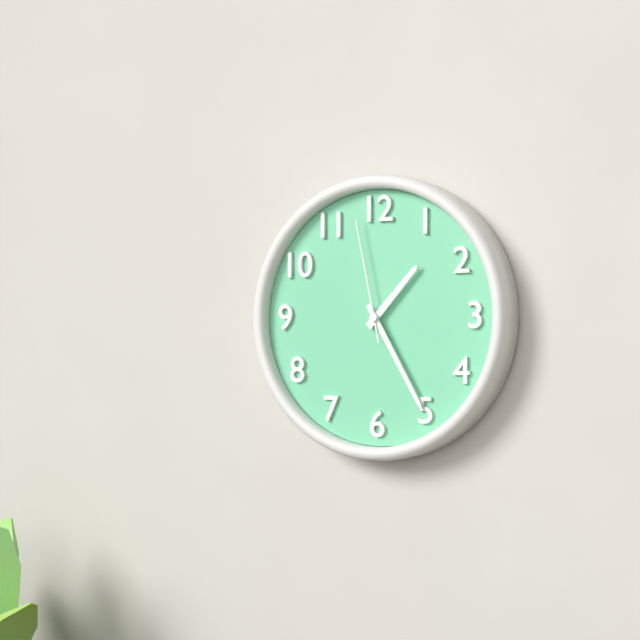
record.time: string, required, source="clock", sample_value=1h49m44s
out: 1h25m58s
